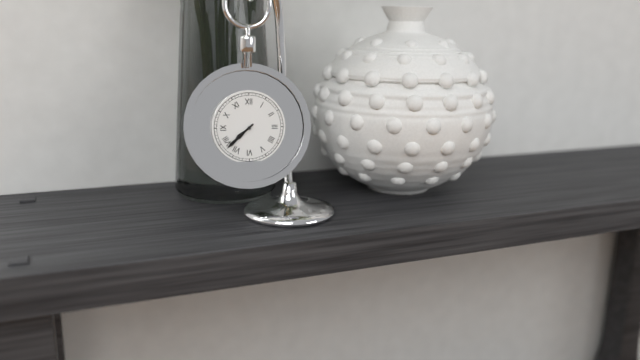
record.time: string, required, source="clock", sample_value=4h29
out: 7h38
